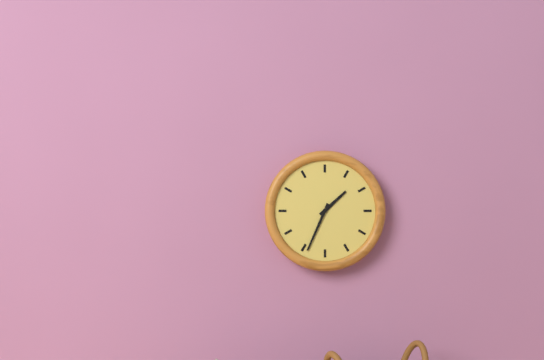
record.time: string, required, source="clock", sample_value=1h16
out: 1h34
